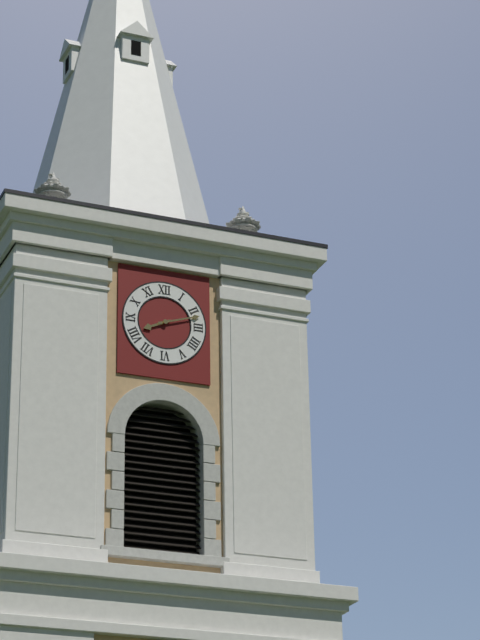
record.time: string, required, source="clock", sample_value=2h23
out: 8h12
